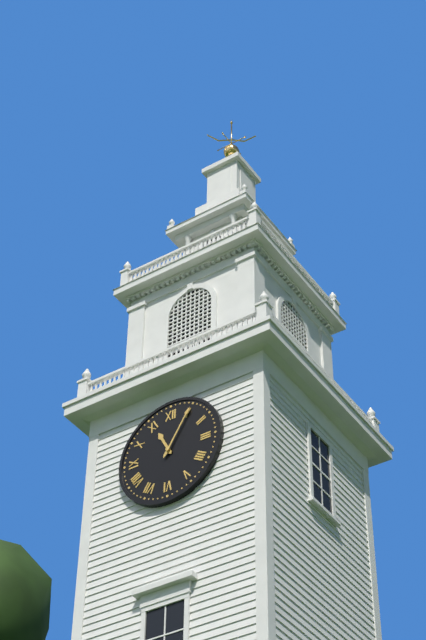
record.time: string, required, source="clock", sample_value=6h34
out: 11h05
